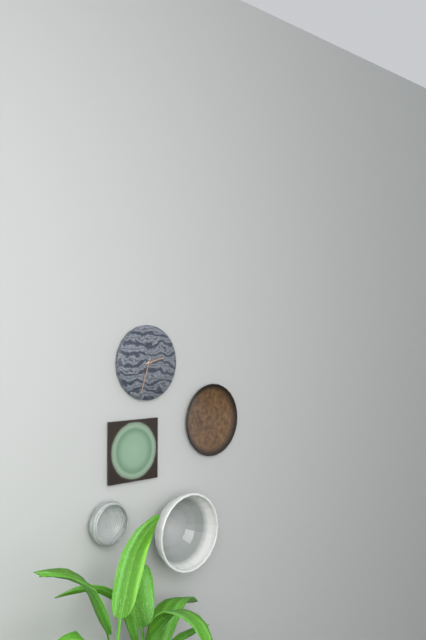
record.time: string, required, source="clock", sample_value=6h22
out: 2h33
